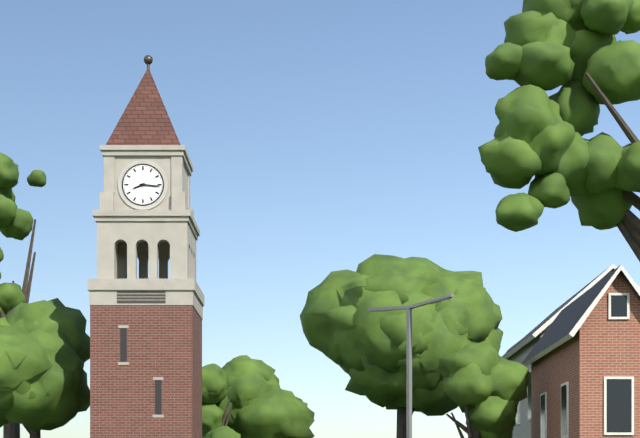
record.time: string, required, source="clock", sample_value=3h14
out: 8h16
